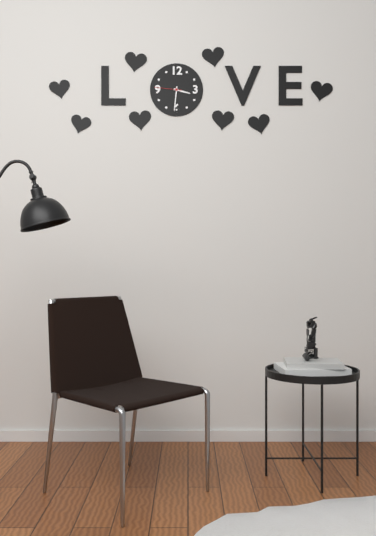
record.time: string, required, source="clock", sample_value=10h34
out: 3h31
